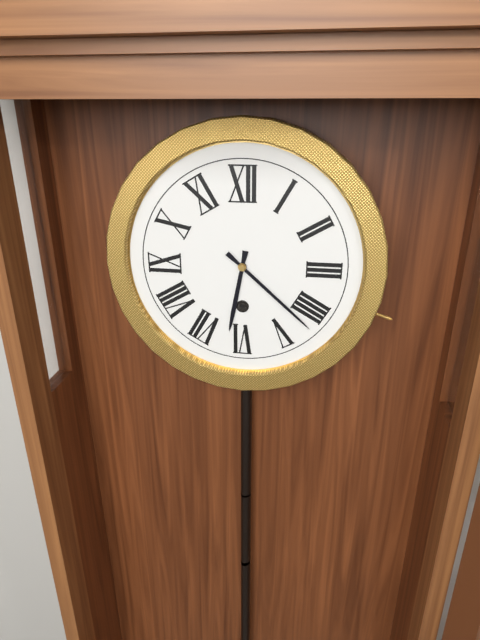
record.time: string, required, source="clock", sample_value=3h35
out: 6h22
